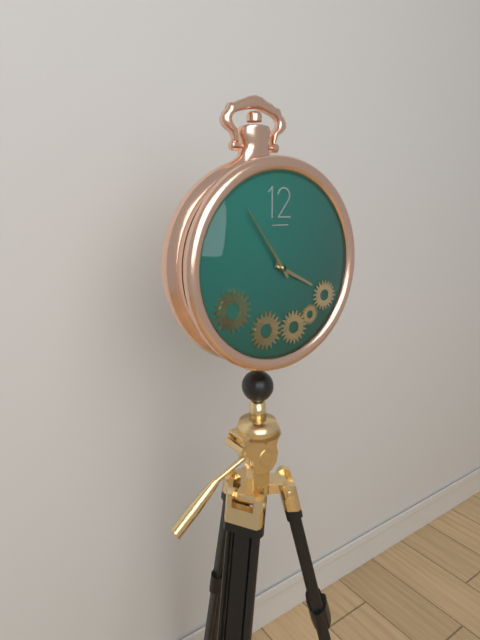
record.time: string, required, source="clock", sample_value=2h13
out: 3h54
